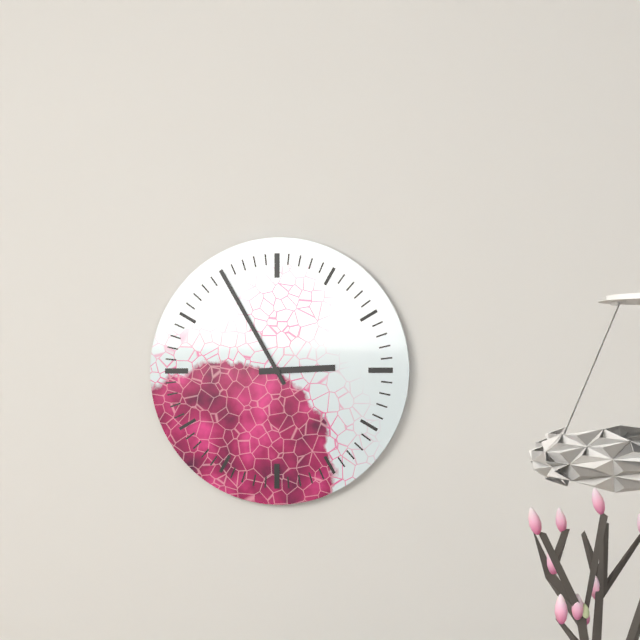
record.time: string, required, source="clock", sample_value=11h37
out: 2h55
